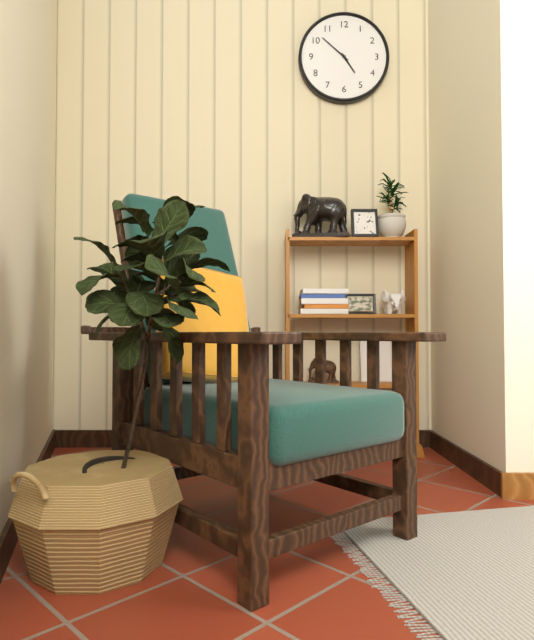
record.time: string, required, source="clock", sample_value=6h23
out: 4h52
